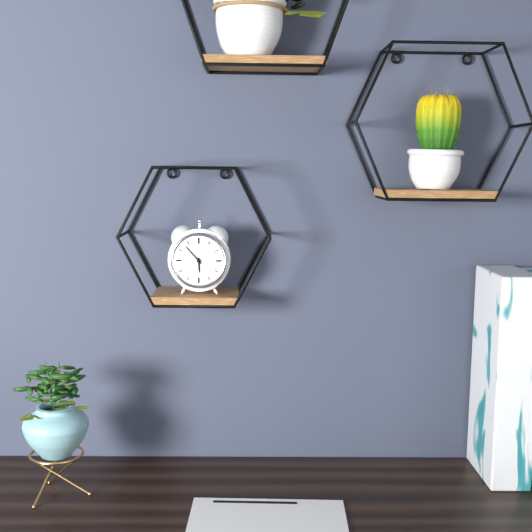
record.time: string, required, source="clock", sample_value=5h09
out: 5h53
